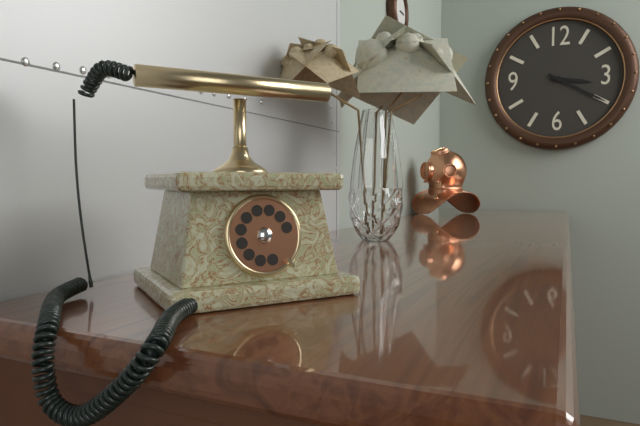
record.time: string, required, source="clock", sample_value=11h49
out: 3h20
